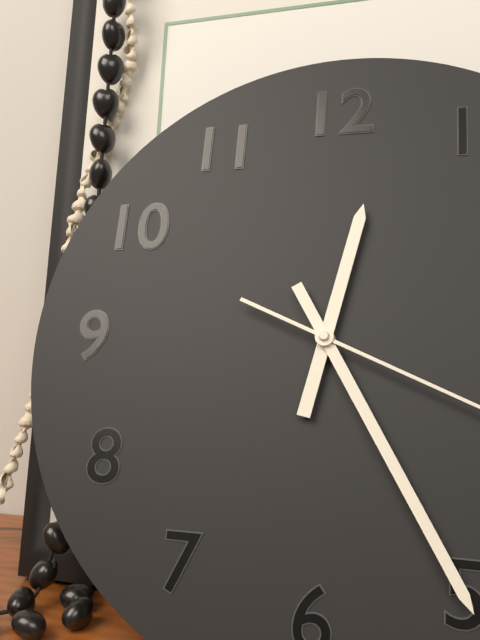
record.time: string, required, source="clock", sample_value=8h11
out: 12h25
